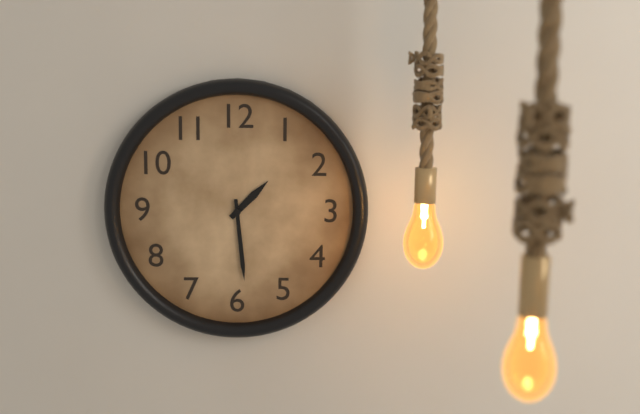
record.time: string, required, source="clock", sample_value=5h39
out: 1h29
